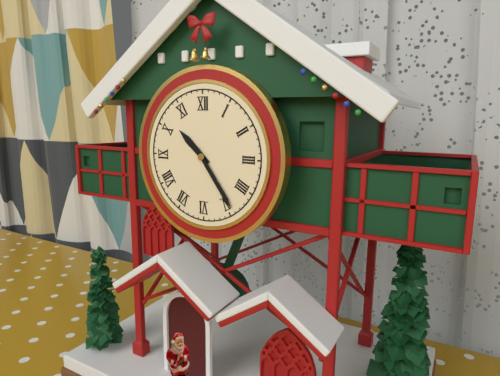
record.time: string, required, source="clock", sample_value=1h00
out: 10h24
